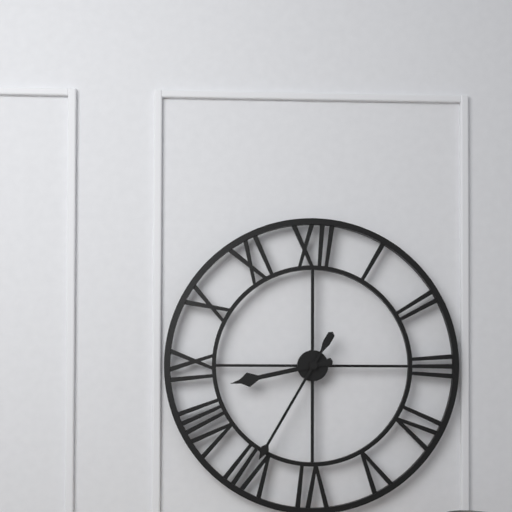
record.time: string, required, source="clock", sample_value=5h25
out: 8h35
